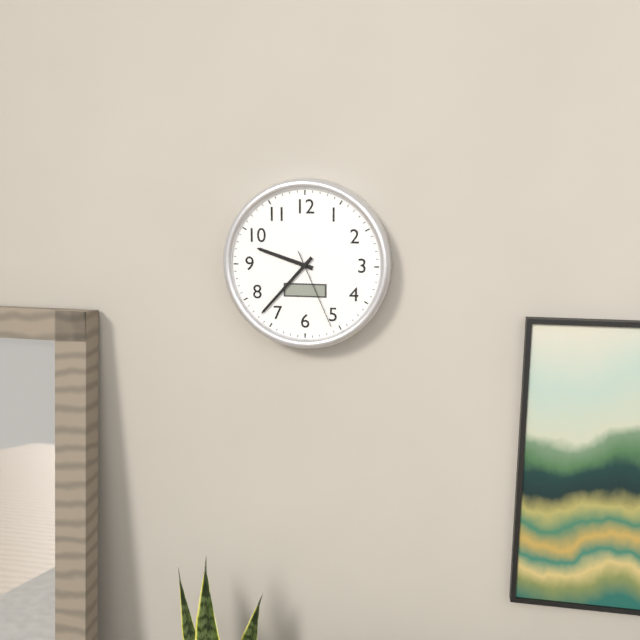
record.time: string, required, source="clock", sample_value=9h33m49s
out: 9h37m26s
